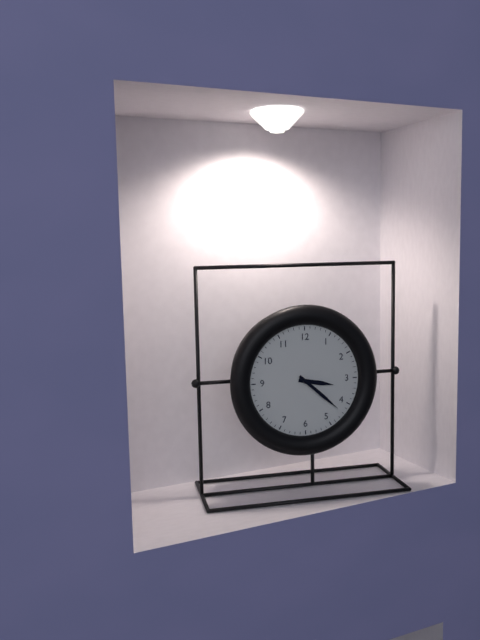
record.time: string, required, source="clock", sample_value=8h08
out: 3h22
